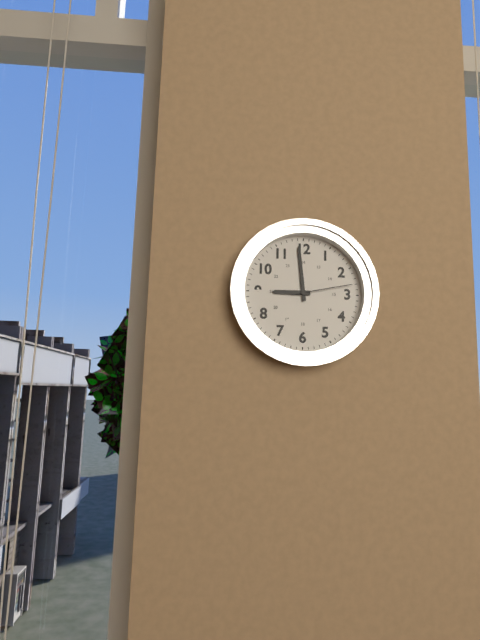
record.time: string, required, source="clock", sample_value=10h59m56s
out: 8h59m13s
